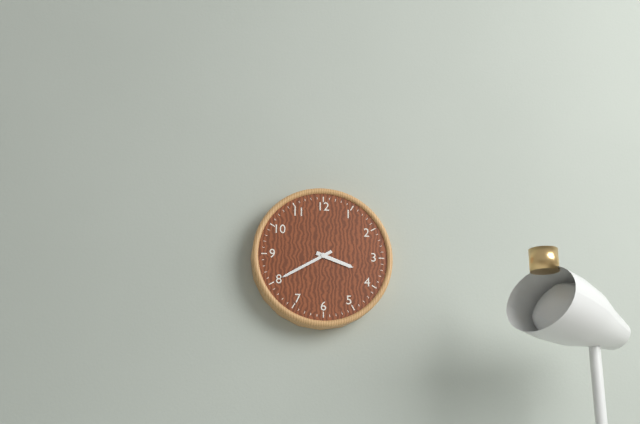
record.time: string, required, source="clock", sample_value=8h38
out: 3h40
